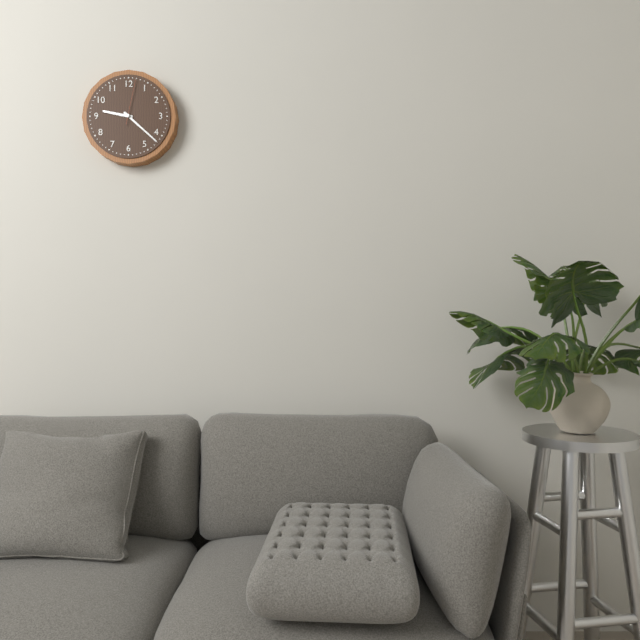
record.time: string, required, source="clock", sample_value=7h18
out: 9h22
